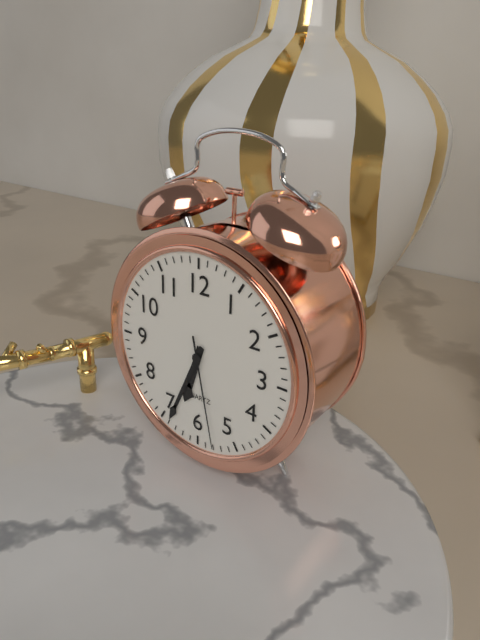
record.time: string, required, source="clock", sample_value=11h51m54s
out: 6h34m28s
